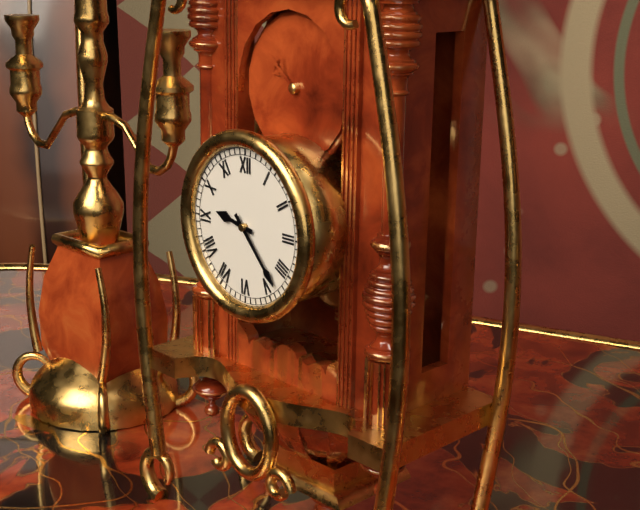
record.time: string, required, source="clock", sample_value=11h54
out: 9h23
